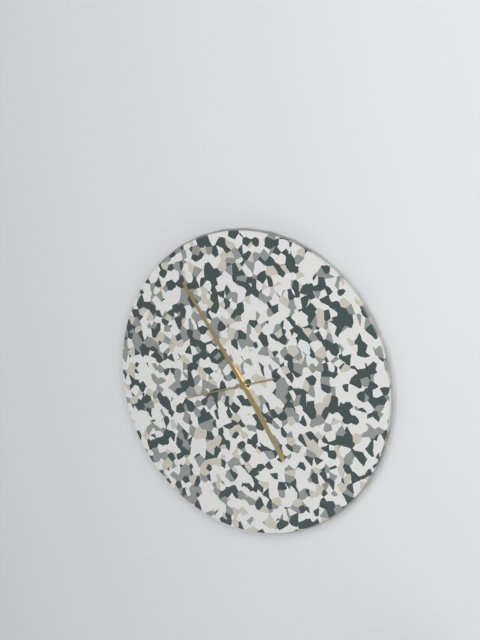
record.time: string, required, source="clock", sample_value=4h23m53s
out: 4h54m42s
